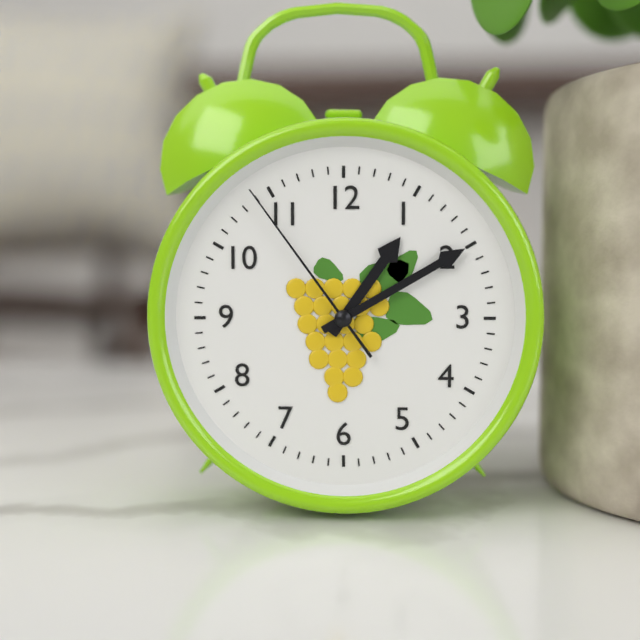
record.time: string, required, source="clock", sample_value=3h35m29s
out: 1h10m54s
